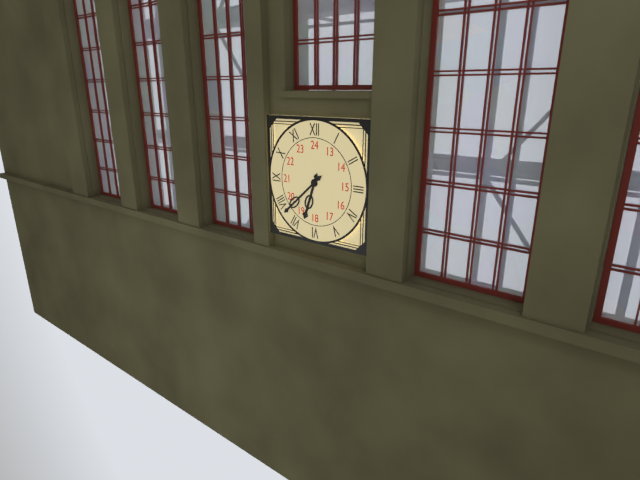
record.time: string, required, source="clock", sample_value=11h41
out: 6h38
